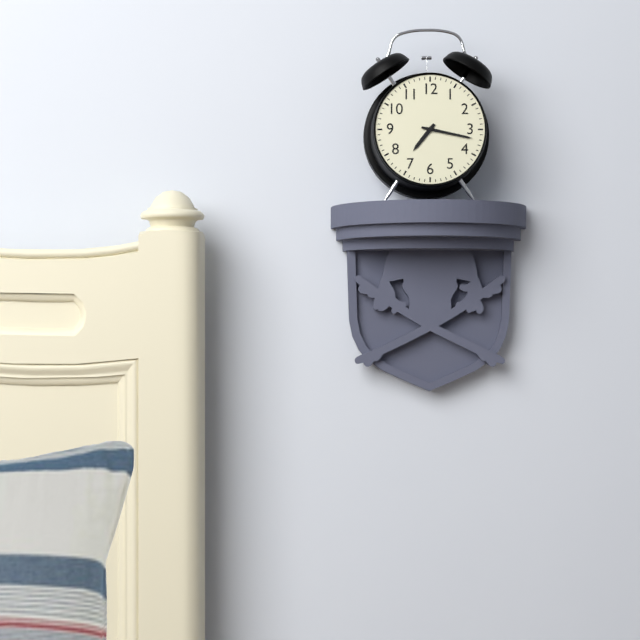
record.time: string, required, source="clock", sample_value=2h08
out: 7h17
